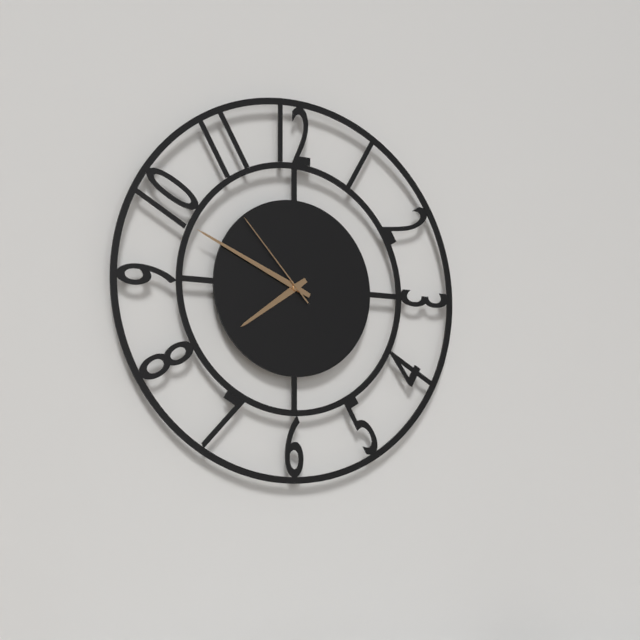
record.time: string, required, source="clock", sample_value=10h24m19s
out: 7h49m53s
